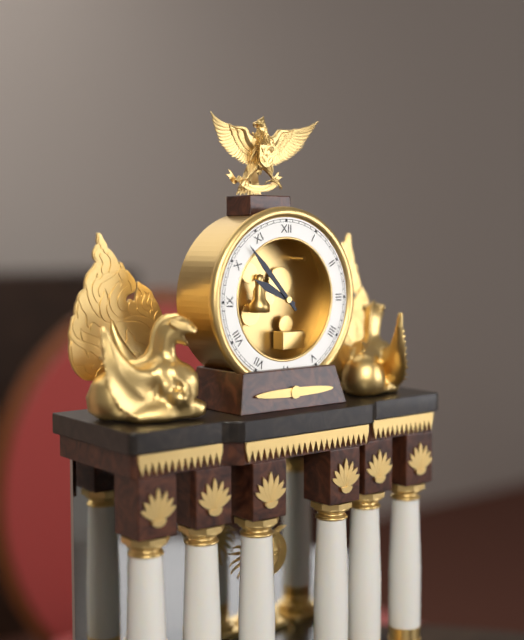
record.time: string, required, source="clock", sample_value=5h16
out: 9h53
